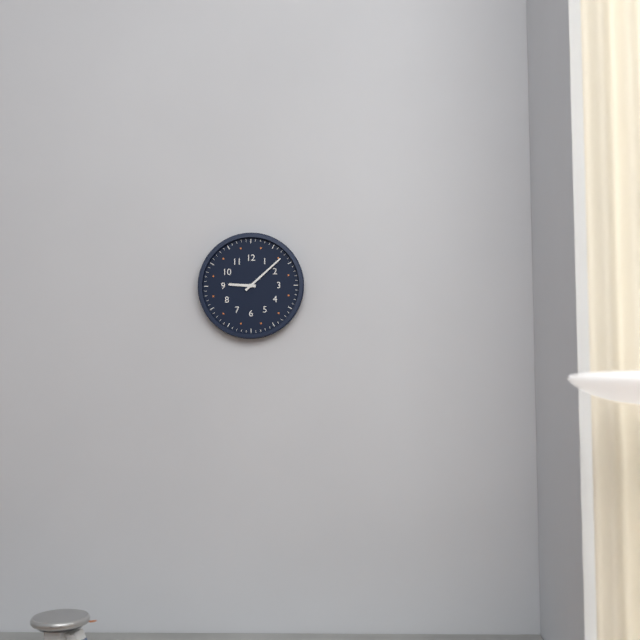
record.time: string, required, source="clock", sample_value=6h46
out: 9h08
